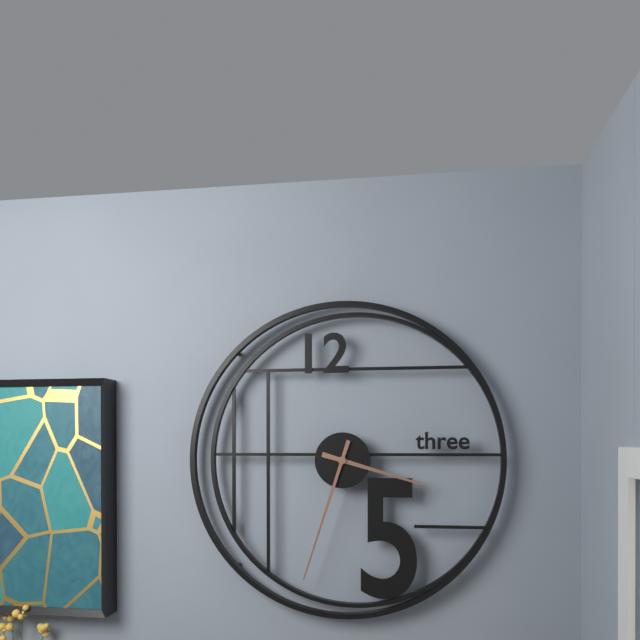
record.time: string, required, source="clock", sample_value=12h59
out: 3h33
